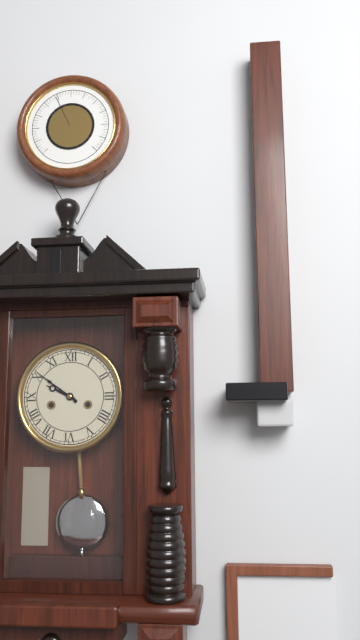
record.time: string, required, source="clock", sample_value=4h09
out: 9h51
